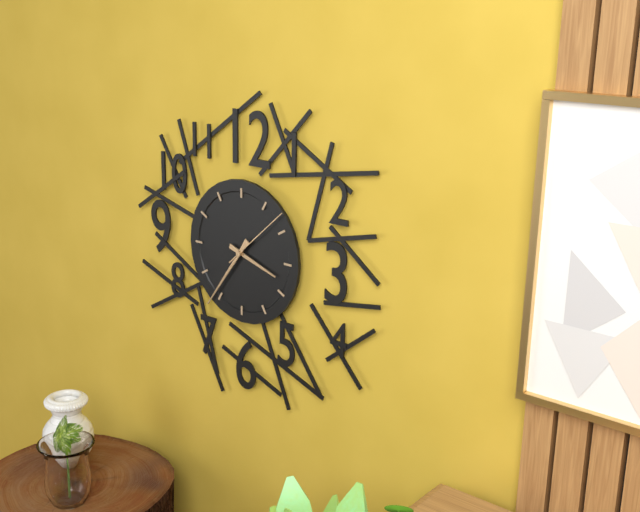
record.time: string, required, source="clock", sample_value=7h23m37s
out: 3h36m08s
